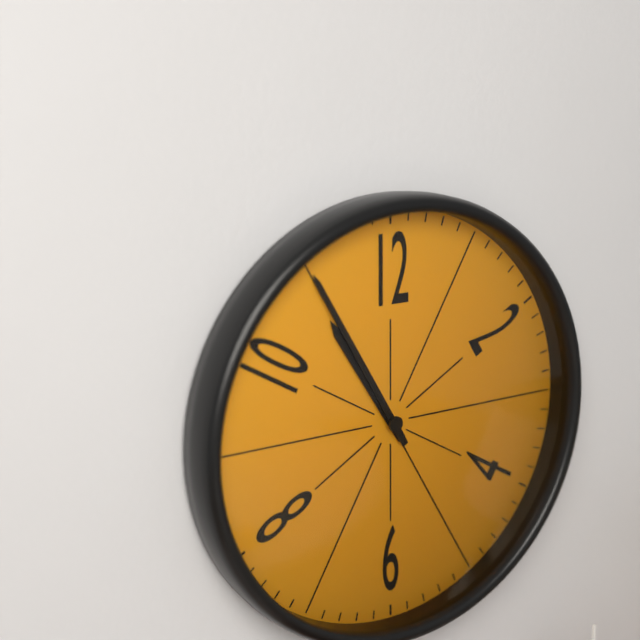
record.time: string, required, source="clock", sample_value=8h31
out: 10h55
